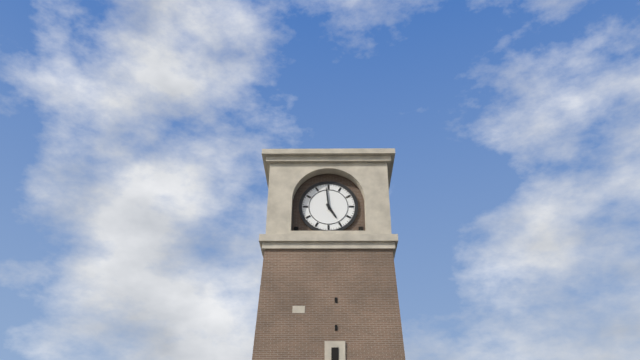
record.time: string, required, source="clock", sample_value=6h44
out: 4h59
